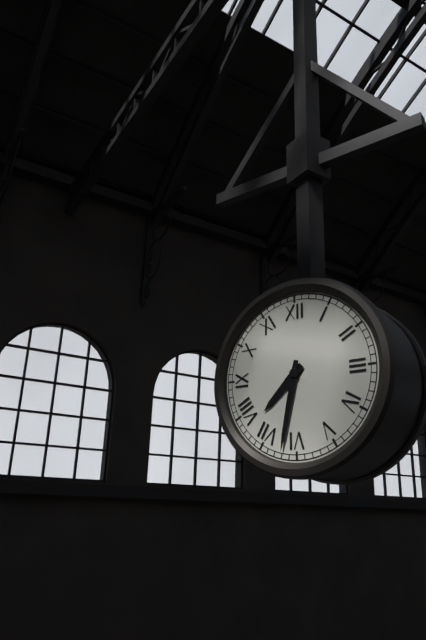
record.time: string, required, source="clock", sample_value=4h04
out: 7h32
